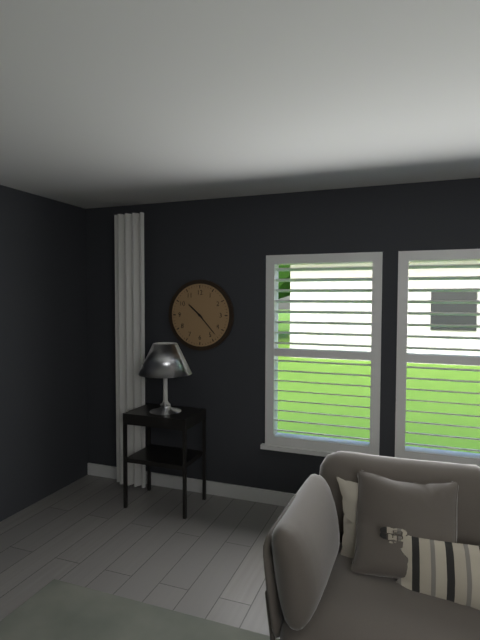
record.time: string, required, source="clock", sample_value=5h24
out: 10h23
